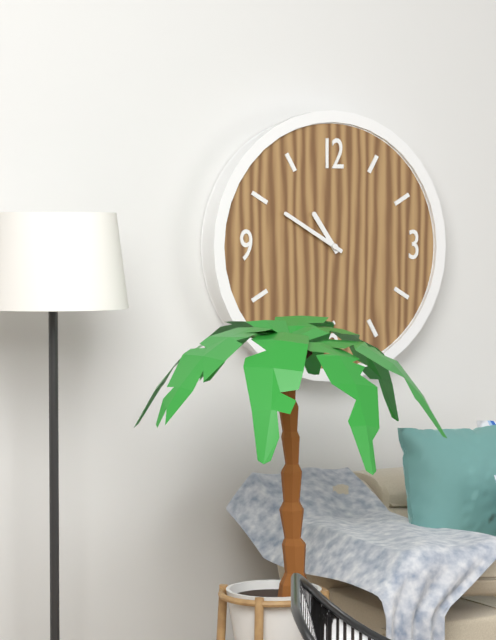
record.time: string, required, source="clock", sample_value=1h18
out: 10h50
